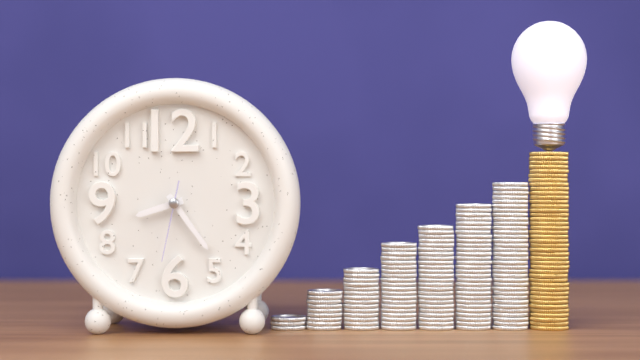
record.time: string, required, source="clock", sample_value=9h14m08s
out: 8h24m32s
